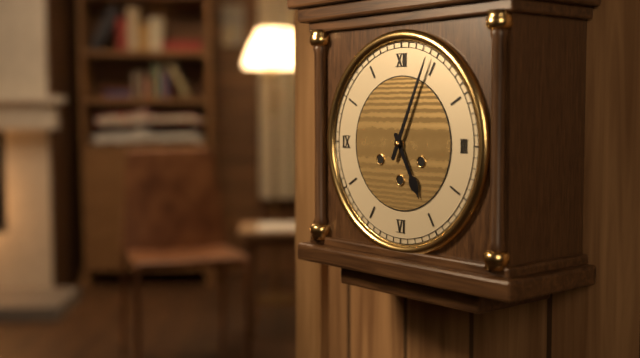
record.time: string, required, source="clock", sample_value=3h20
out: 5h04
